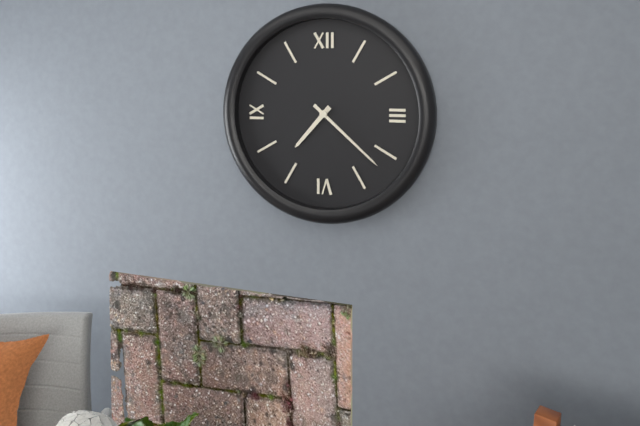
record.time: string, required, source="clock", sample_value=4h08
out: 7h22
